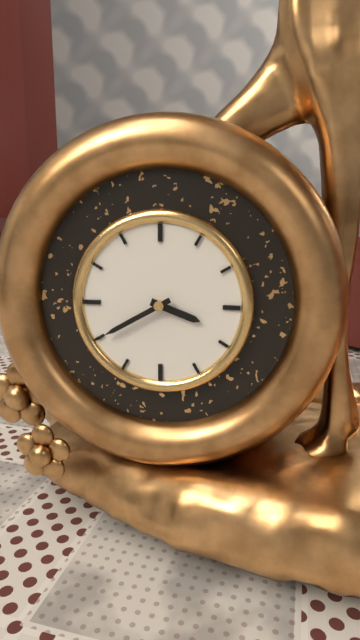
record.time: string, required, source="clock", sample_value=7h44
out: 3h40
